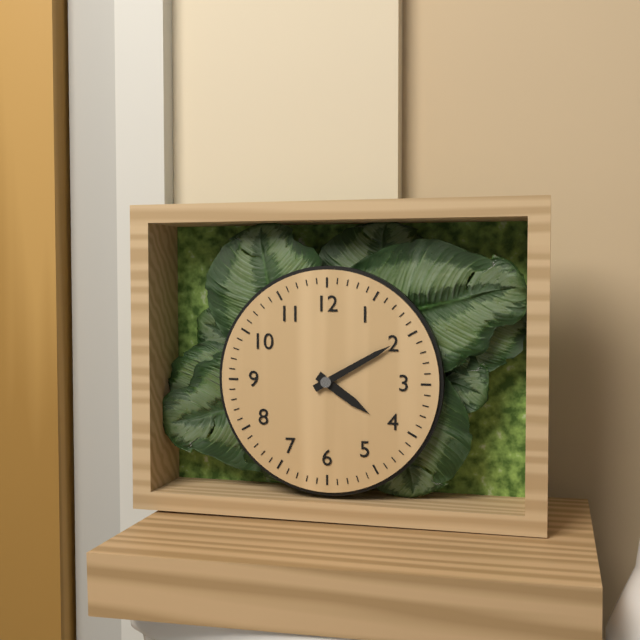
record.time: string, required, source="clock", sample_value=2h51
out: 4h10
